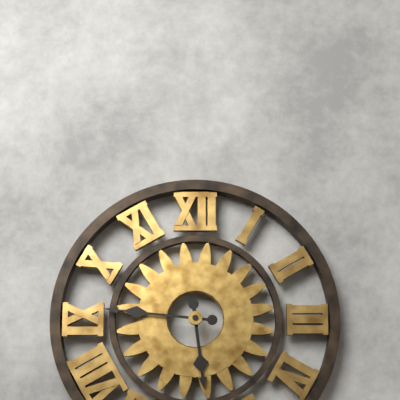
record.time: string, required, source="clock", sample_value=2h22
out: 5h46
